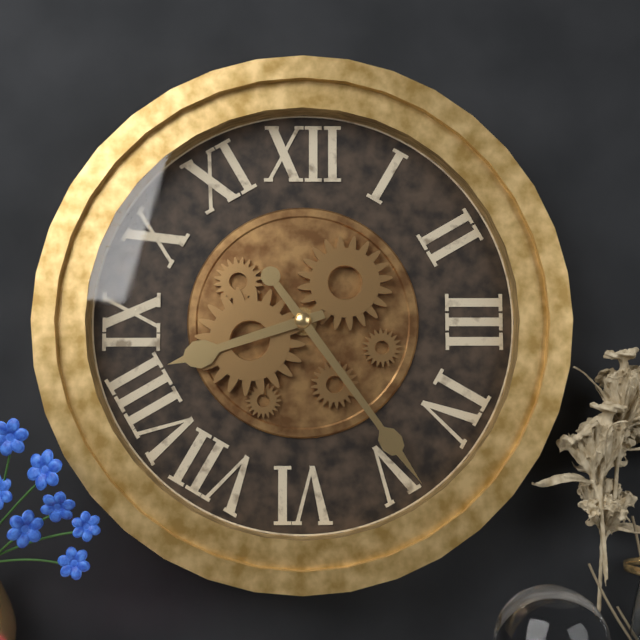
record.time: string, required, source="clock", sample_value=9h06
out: 8h24
